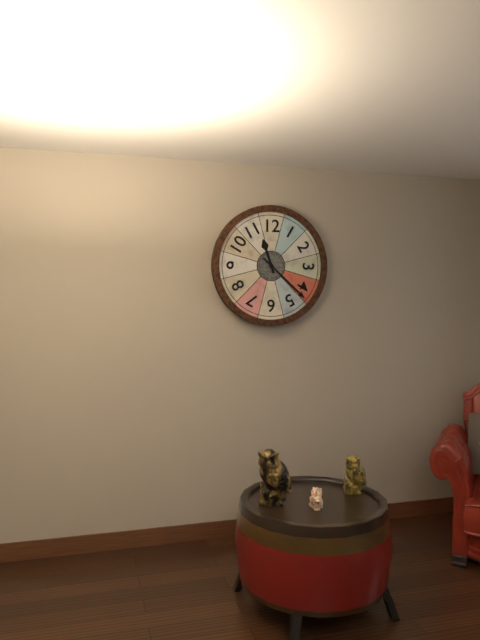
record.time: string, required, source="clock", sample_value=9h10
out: 11h22
